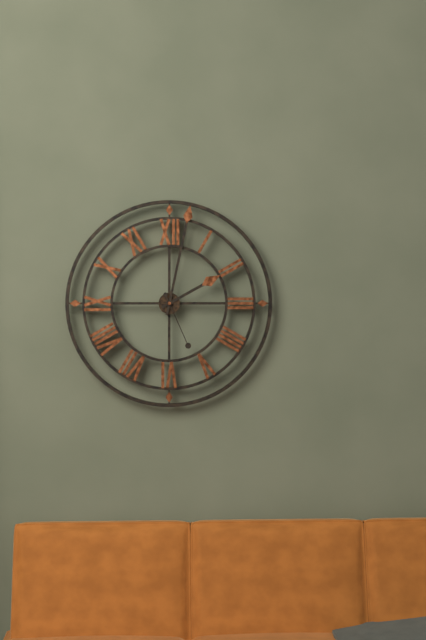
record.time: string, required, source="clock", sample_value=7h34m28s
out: 2h02m26s
